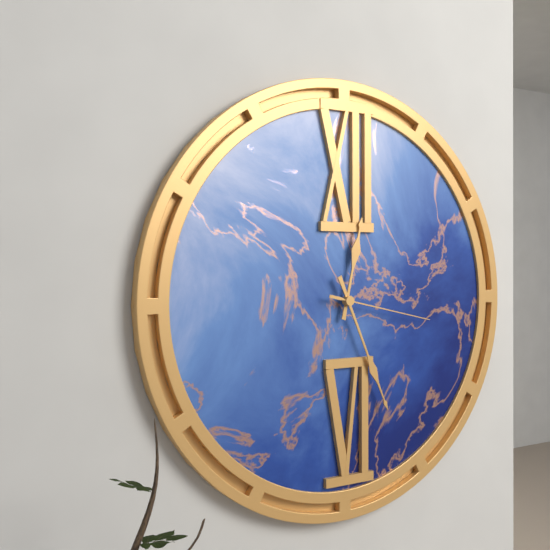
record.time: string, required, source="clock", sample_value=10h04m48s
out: 12h26m17s
